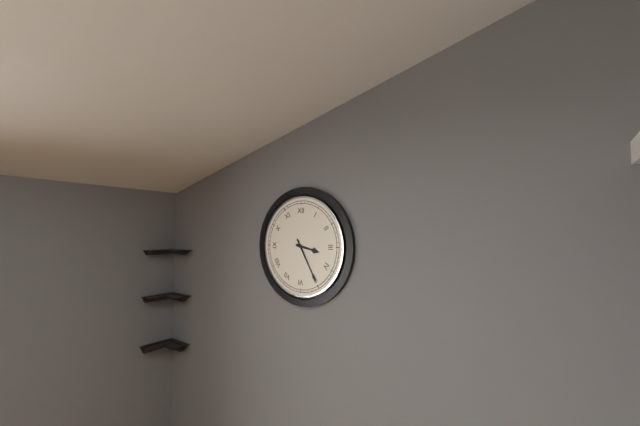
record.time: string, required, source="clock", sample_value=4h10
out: 3h25
